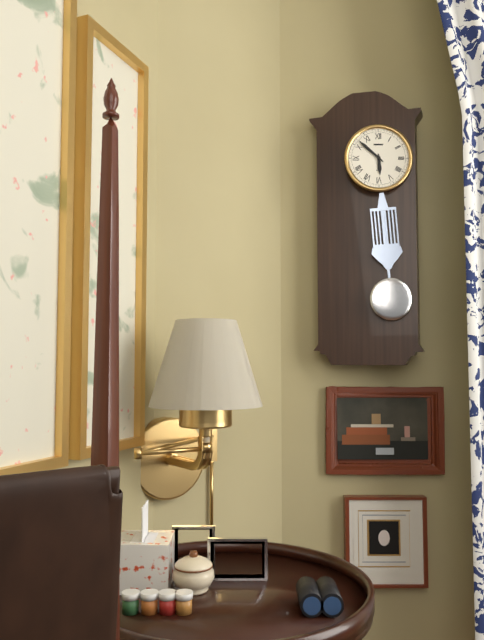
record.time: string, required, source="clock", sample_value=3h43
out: 5h52
